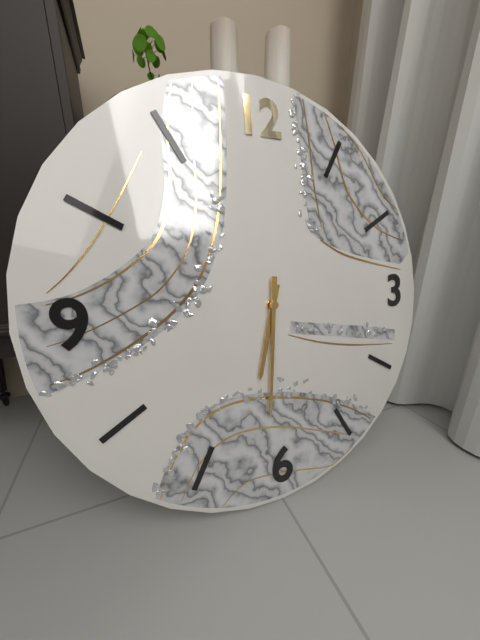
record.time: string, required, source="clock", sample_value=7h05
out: 6h31
